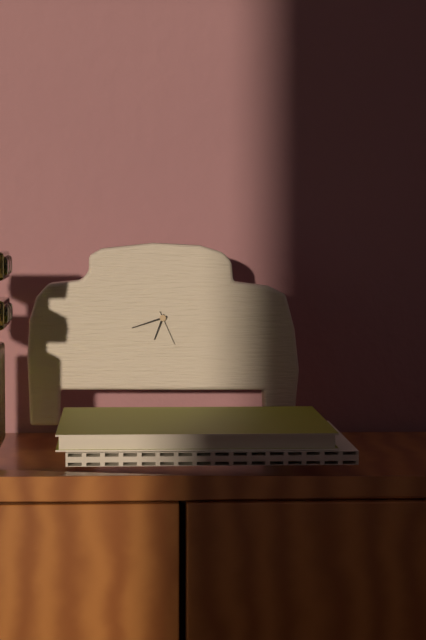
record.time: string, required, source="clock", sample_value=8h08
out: 6h42
